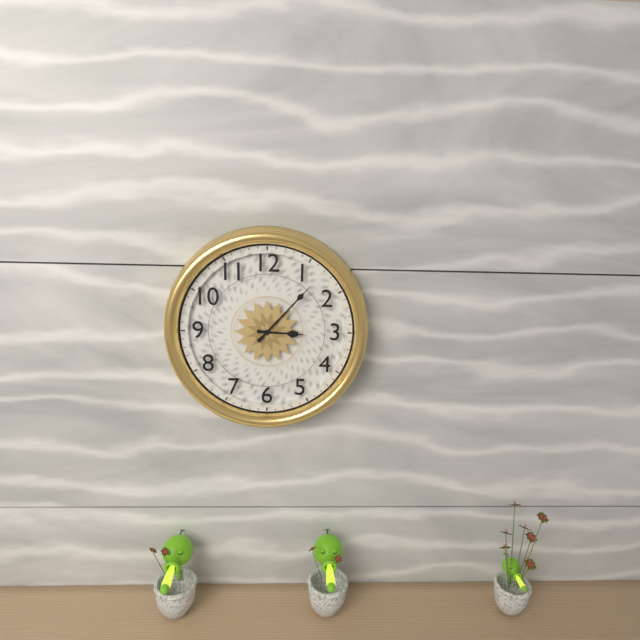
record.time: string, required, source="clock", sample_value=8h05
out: 3h07
